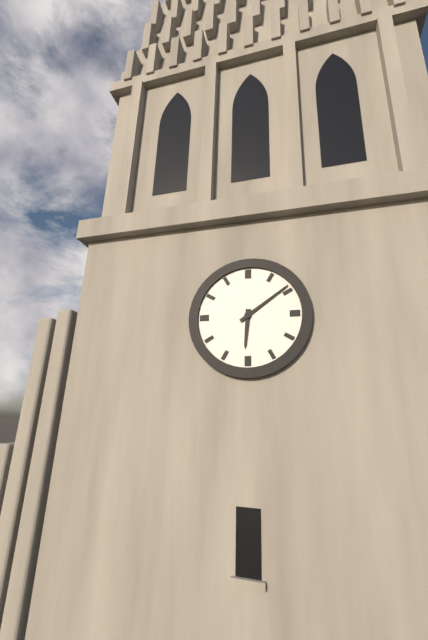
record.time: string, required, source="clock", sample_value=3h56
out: 6h09
